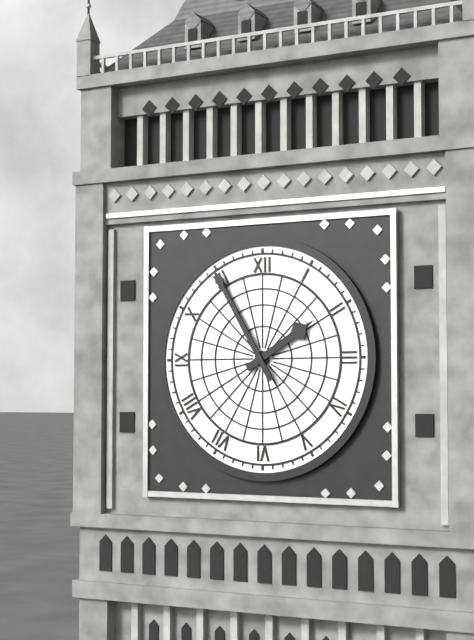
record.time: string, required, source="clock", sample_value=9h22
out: 1h55
